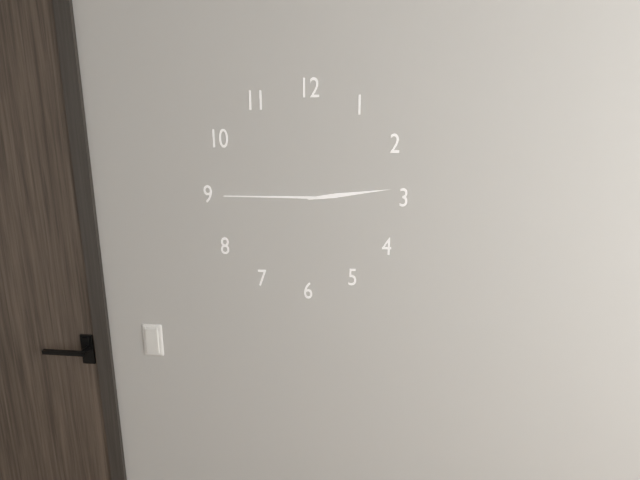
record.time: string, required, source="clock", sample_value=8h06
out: 2h45
